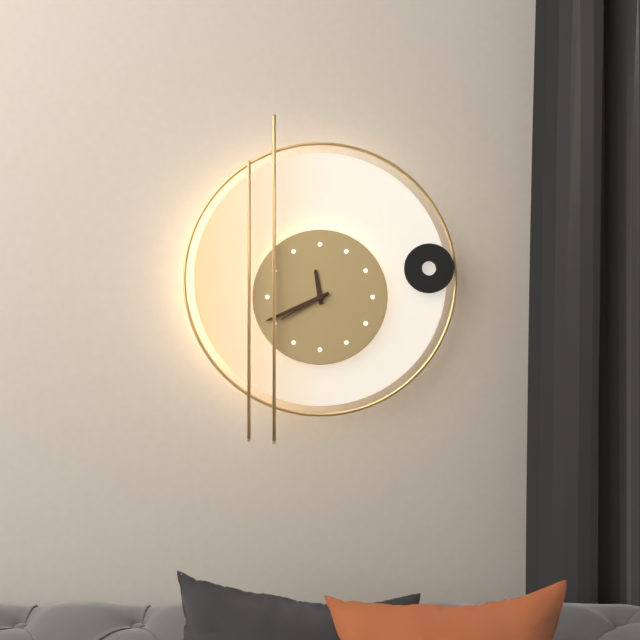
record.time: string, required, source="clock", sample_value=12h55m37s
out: 11h41m40s
